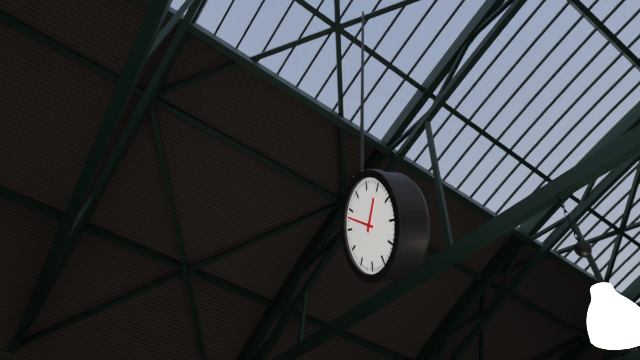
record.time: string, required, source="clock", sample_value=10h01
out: 1h53
